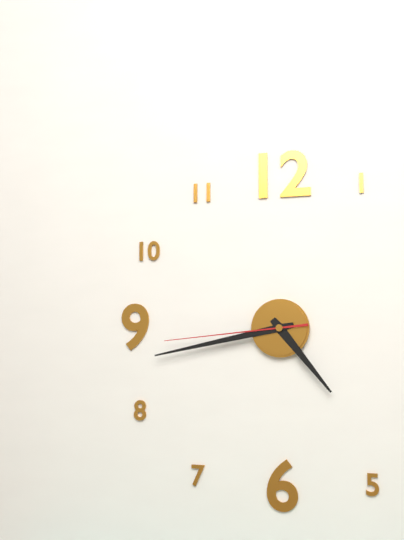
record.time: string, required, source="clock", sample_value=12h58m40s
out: 4h43m44s
